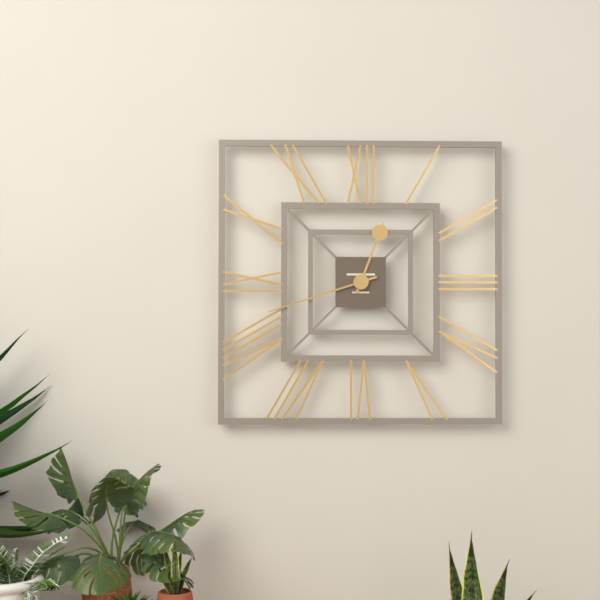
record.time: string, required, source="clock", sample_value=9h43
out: 12h42
